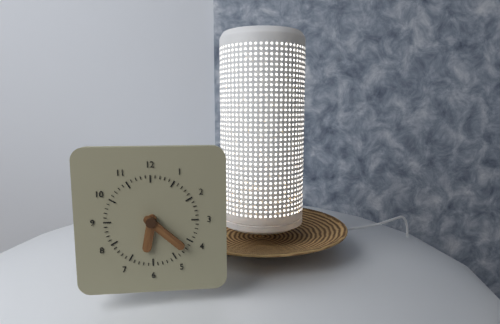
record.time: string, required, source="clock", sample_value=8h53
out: 6h22
